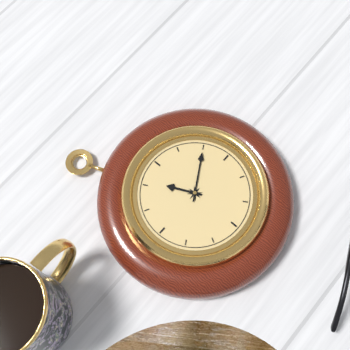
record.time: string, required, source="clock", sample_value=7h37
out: 11h10
